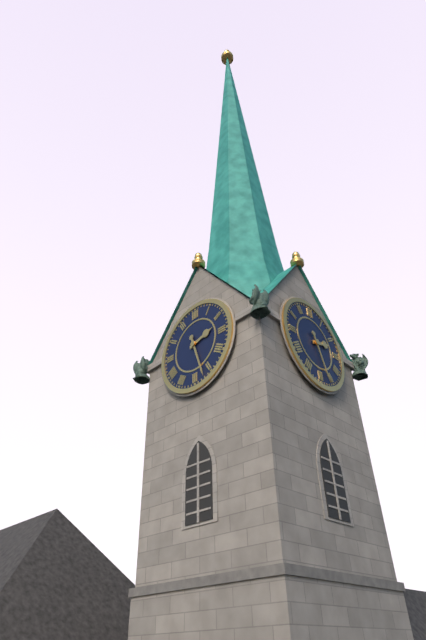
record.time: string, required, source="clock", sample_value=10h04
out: 2h27
